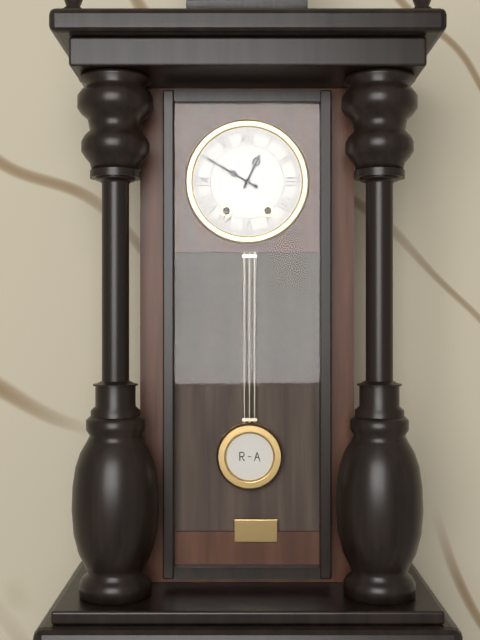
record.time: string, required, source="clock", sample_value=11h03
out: 12h50
